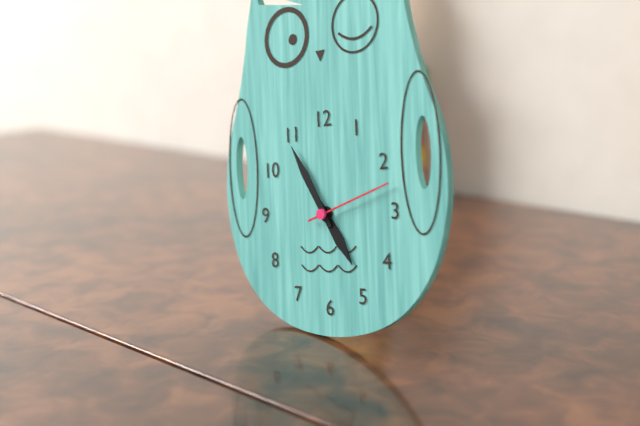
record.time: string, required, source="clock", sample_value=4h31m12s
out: 4h55m12s
